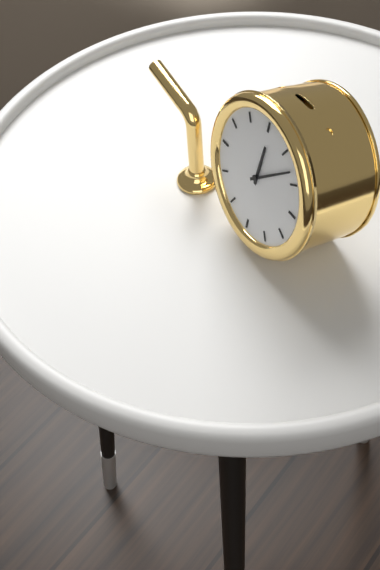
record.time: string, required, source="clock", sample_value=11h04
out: 12h08
